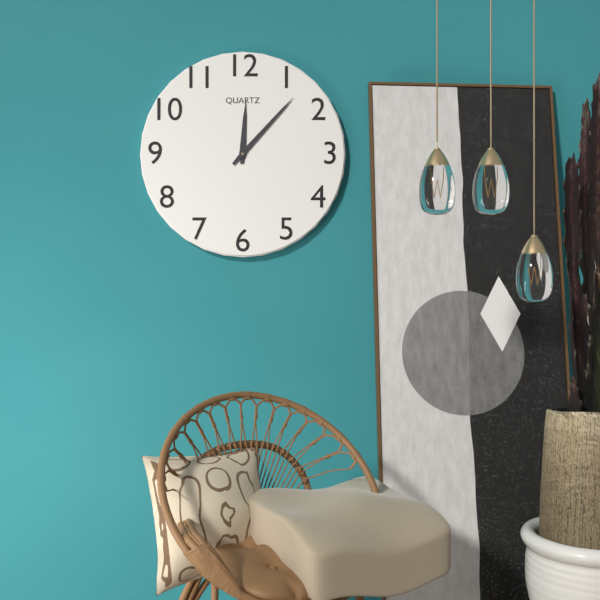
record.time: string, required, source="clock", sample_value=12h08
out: 12h07
